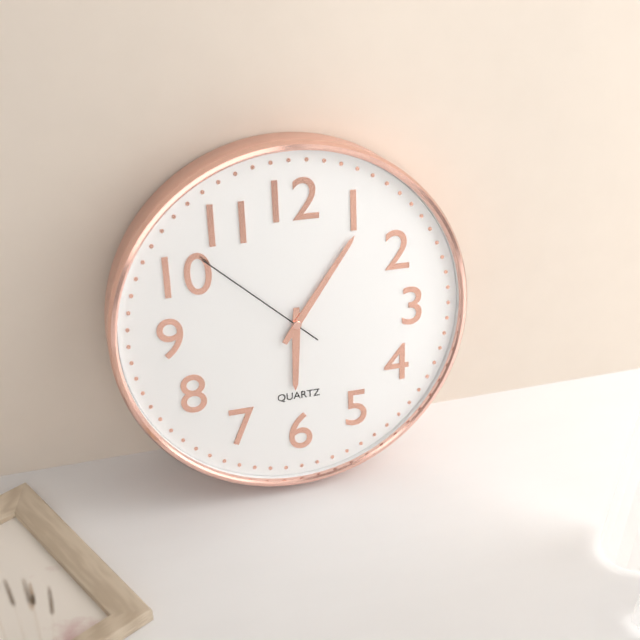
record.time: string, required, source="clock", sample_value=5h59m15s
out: 6h06m52s
